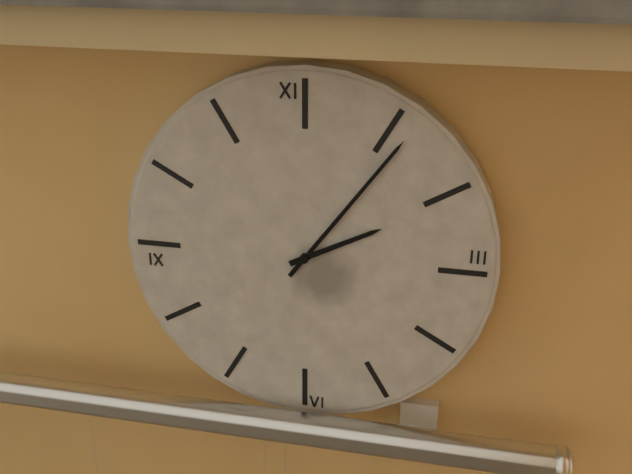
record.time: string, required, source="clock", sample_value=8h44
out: 2h06
